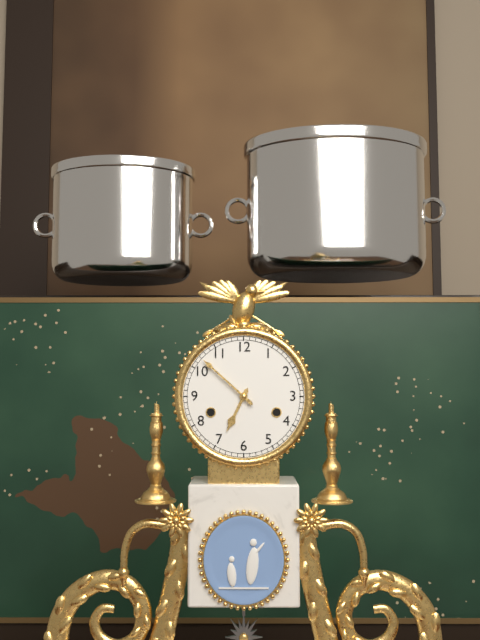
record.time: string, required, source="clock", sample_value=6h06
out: 6h52
